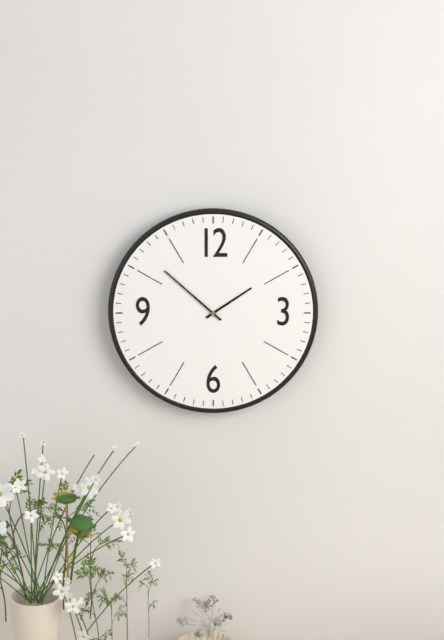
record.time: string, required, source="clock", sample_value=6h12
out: 1h52
